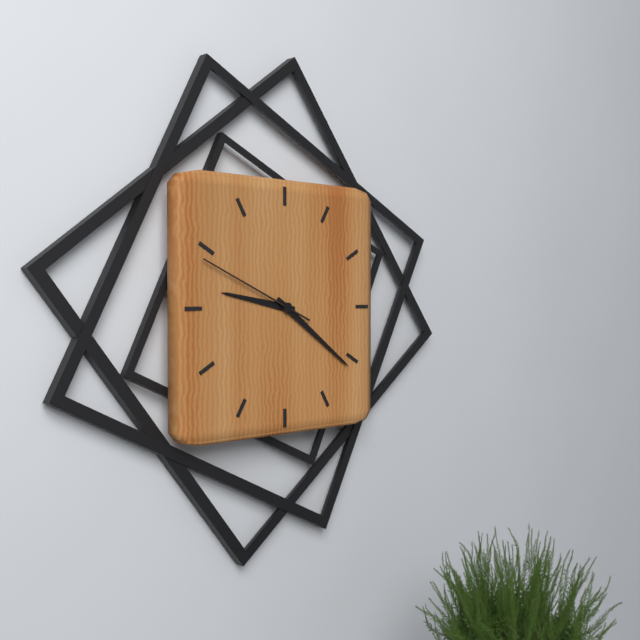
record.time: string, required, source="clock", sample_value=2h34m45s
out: 9h21m49s
